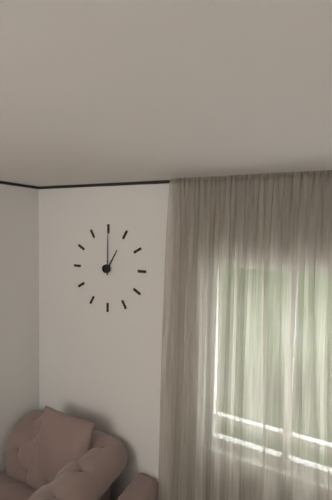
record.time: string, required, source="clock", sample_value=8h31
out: 1h00
